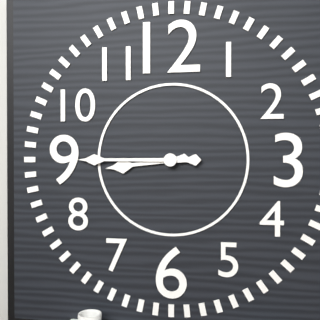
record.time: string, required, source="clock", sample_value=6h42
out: 8h45
